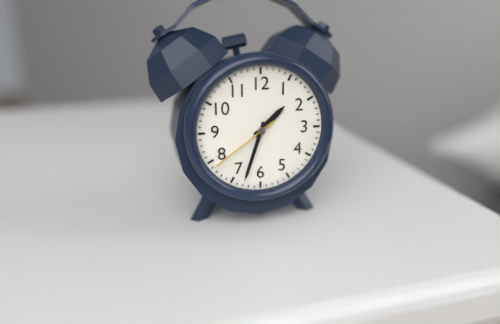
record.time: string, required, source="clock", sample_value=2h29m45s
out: 1h33m39s
